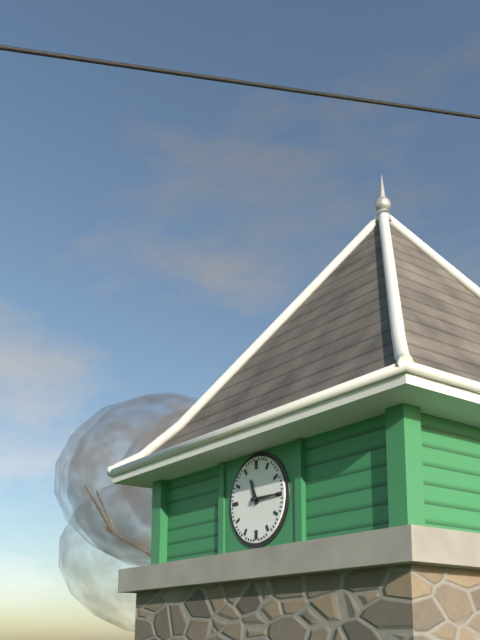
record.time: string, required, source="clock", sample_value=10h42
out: 11h15
